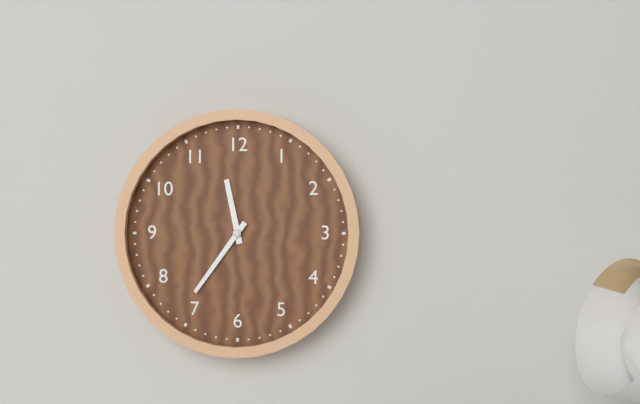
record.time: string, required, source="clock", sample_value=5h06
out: 11h36
